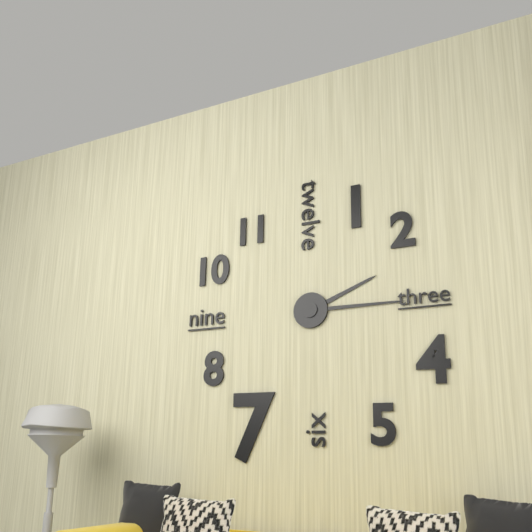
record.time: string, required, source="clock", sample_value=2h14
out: 2h15
